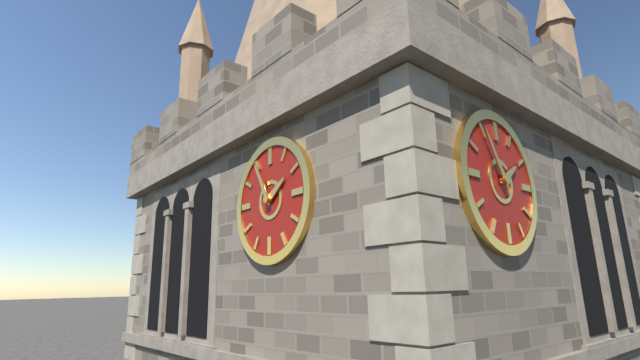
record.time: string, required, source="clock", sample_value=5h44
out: 1h55
